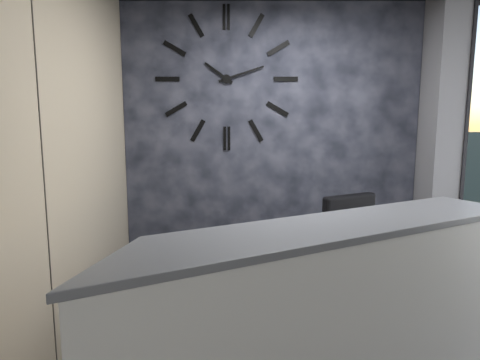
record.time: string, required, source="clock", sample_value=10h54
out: 10h12
